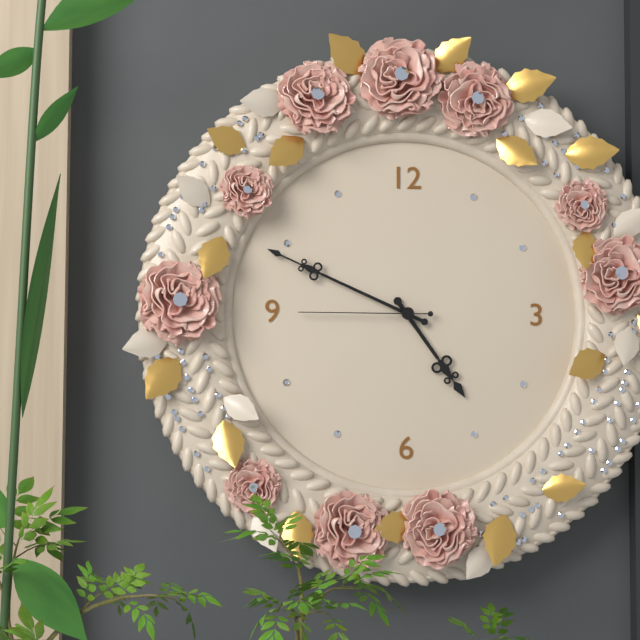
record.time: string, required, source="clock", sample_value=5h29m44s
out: 4h49m45s
